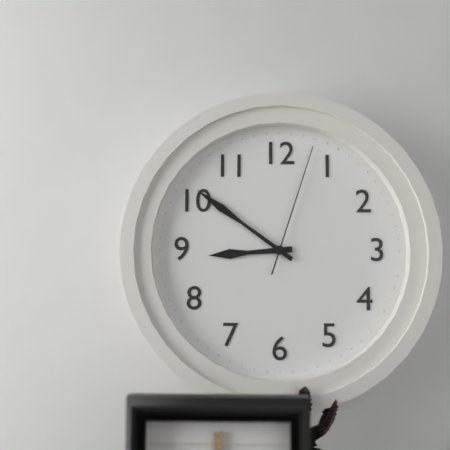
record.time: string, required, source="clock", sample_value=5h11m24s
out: 8h51m03s
